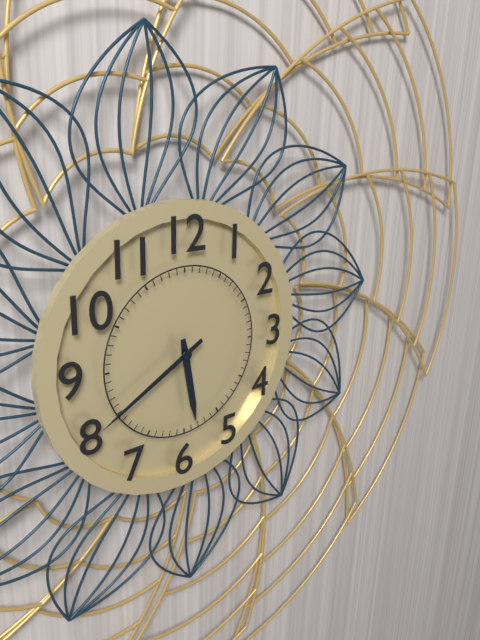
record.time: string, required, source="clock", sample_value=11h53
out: 5h40
